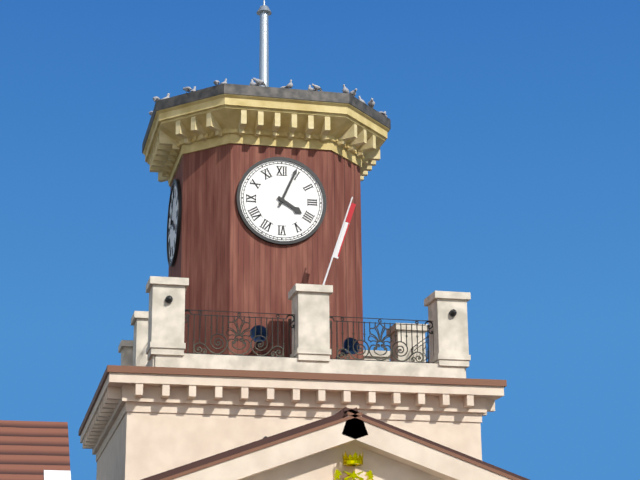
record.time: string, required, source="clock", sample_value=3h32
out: 4h04
